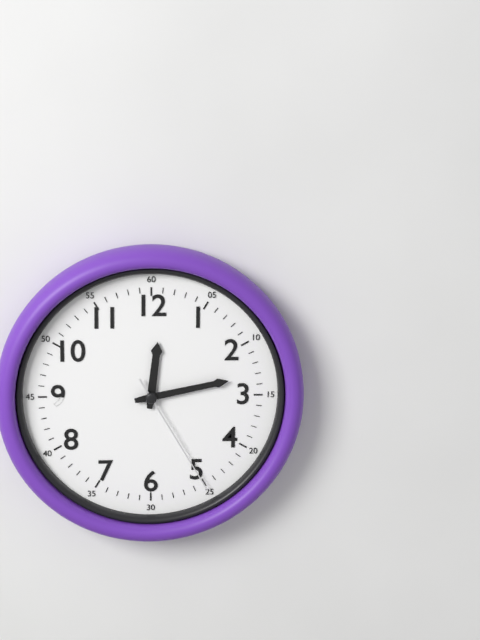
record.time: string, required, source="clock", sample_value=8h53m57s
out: 12h13m25s
